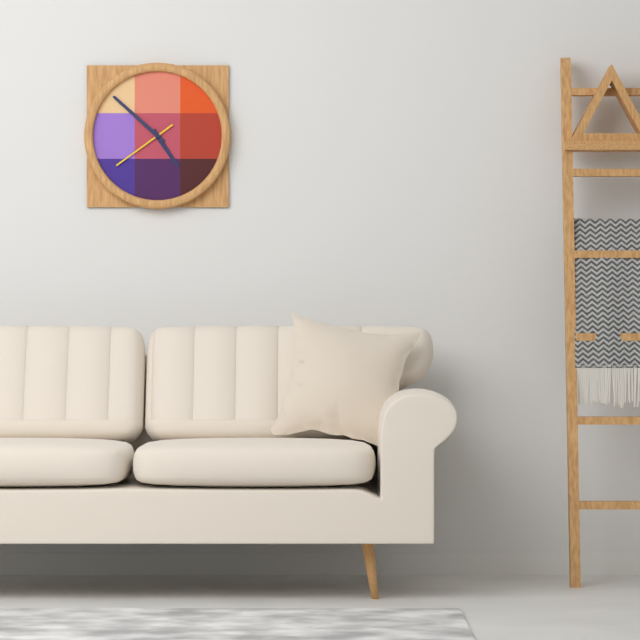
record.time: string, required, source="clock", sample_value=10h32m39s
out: 4h52m39s
